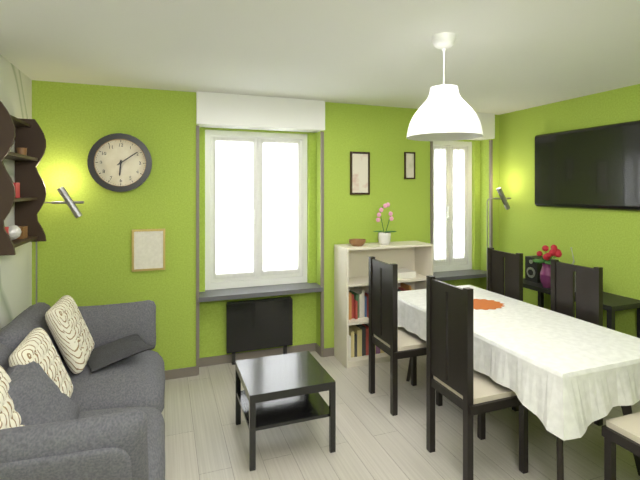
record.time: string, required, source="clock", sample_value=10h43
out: 6h09
